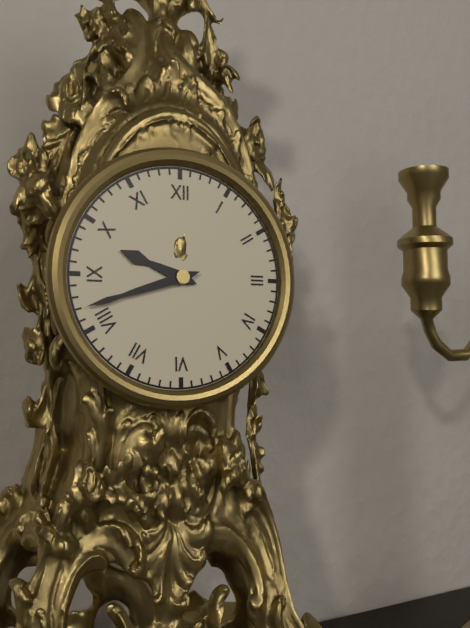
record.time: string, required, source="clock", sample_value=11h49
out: 9h42
